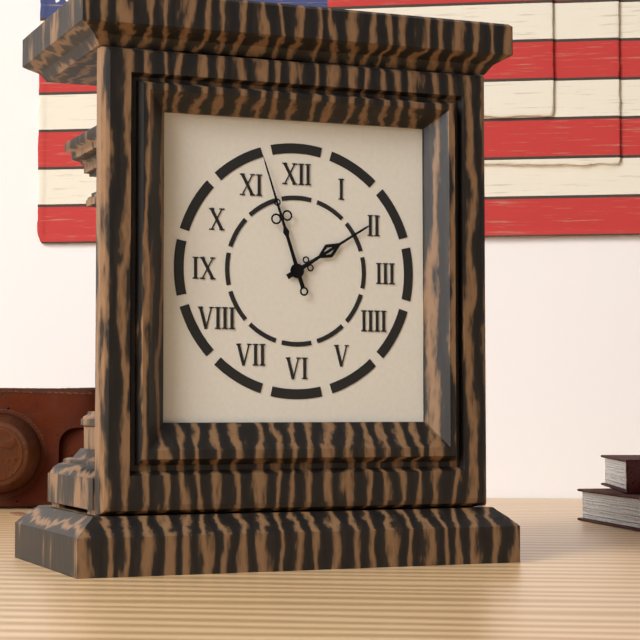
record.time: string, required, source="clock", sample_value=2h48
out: 1h57
